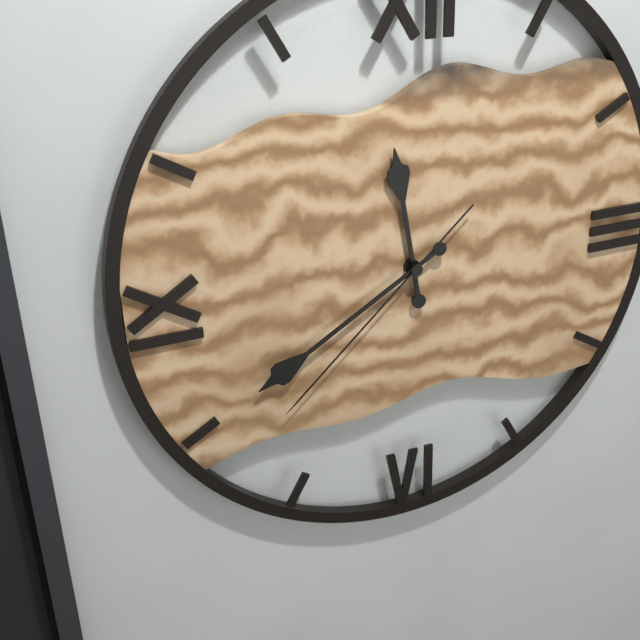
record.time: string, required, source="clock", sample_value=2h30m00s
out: 11h40m38s
